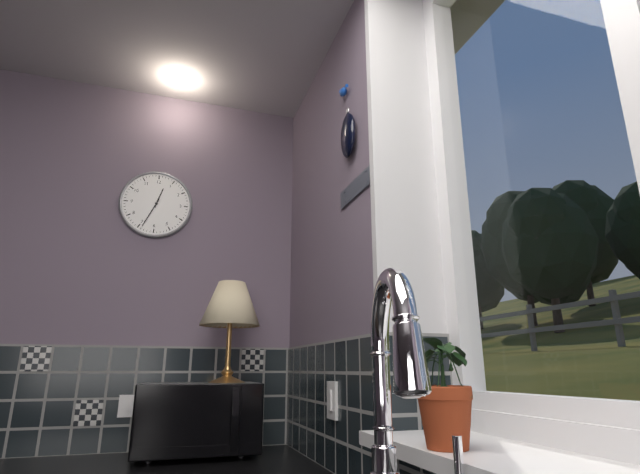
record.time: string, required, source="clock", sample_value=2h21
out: 12h34
